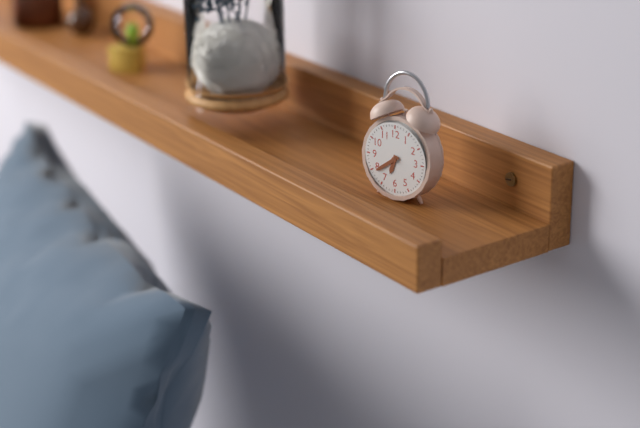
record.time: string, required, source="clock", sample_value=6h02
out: 6h39
